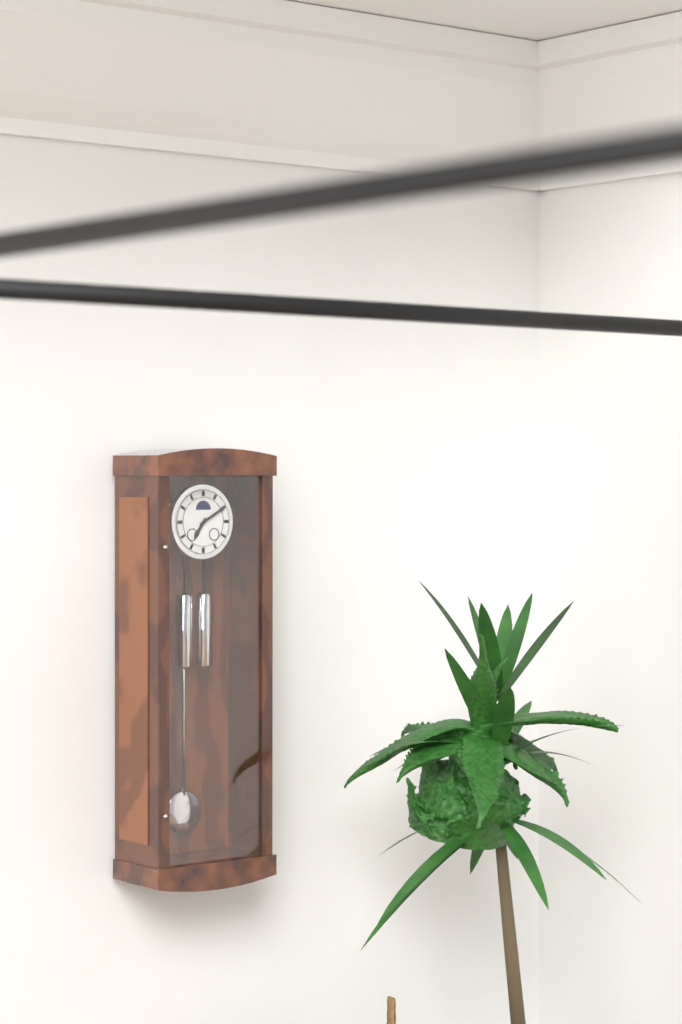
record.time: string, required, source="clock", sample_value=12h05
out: 7h10
